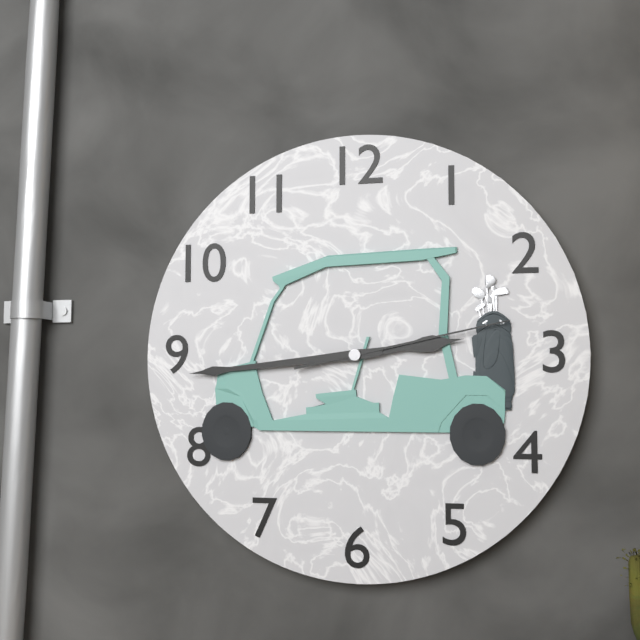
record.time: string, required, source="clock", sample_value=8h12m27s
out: 2h44m13s
